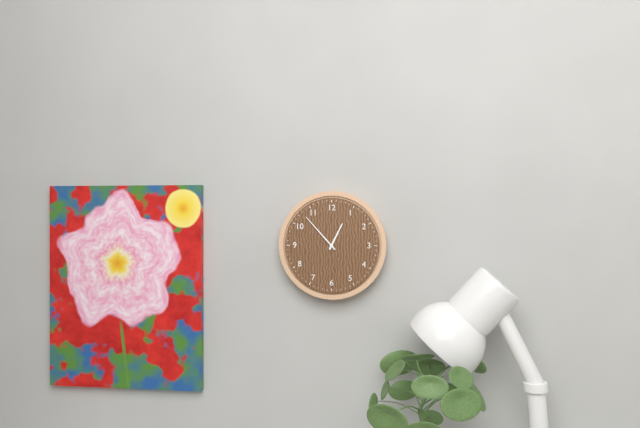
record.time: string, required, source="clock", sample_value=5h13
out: 12h53
